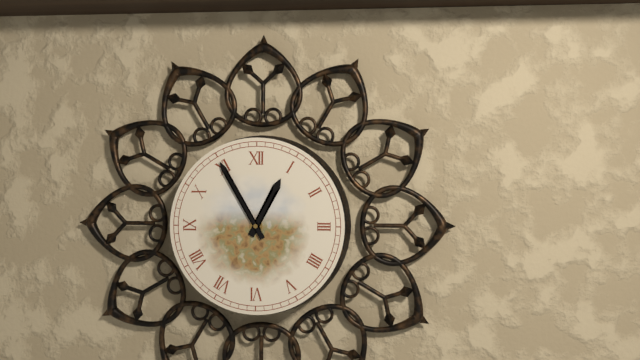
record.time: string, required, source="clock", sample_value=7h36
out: 12h55
